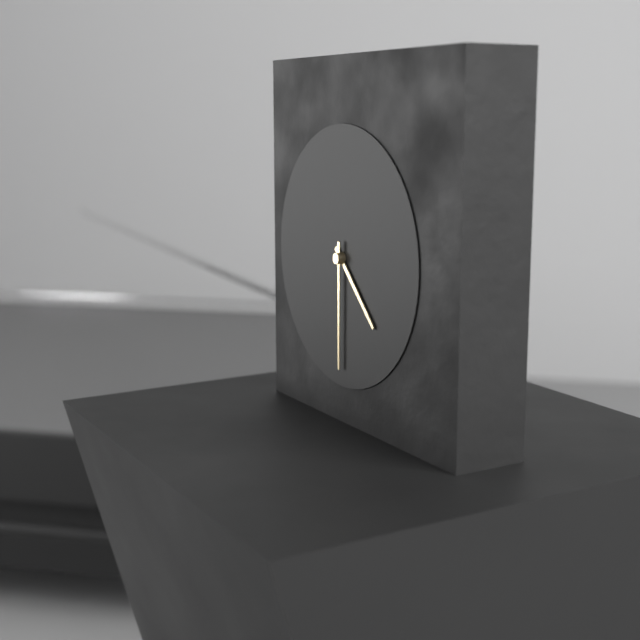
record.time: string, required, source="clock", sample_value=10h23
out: 4h30
